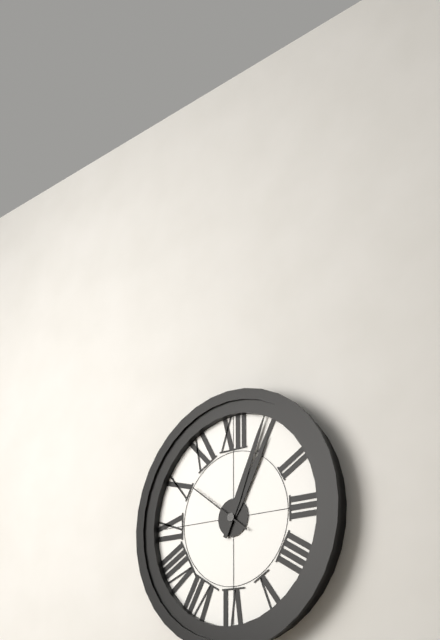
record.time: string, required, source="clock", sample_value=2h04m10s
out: 1h04m51s
